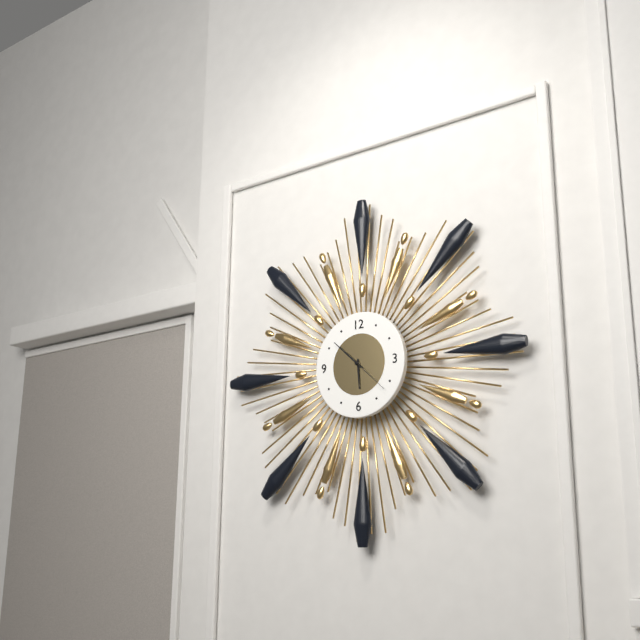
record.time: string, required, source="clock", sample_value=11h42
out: 5h52
